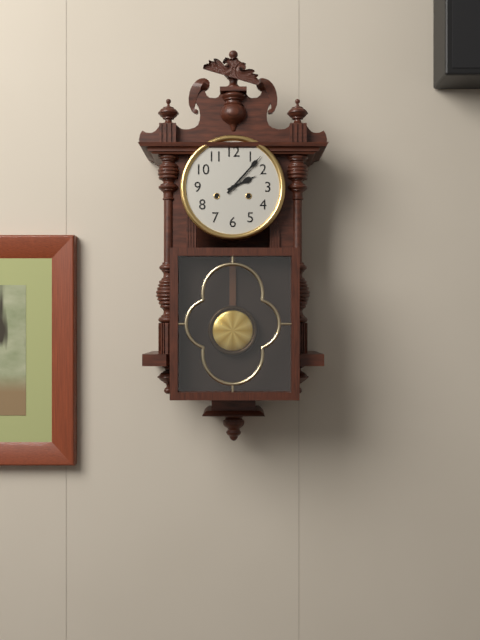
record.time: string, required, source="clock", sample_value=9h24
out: 2h07
